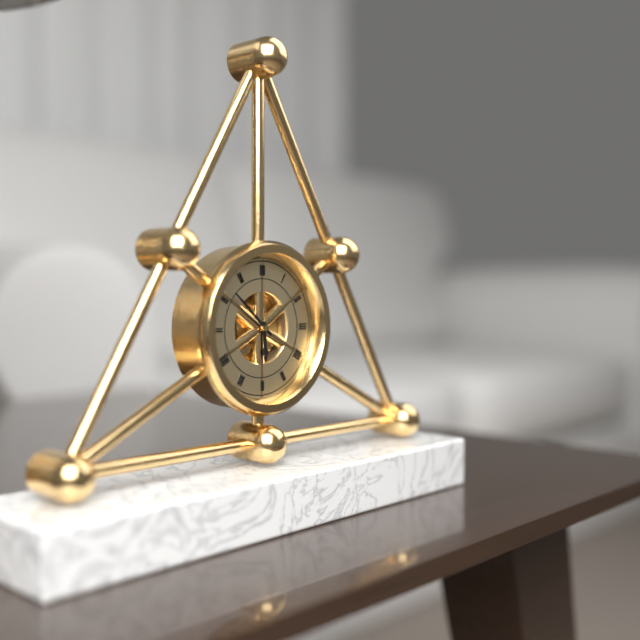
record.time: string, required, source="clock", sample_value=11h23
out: 5h52
